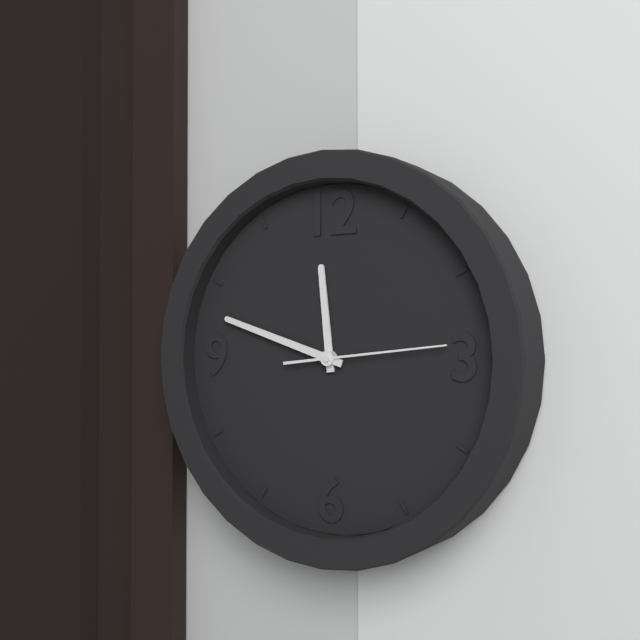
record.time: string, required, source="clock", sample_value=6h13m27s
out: 11h48m14s
